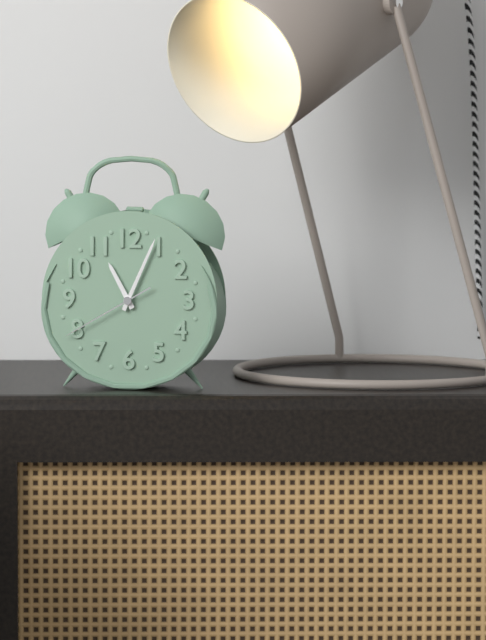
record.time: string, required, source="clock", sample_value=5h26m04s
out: 11h04m40s
